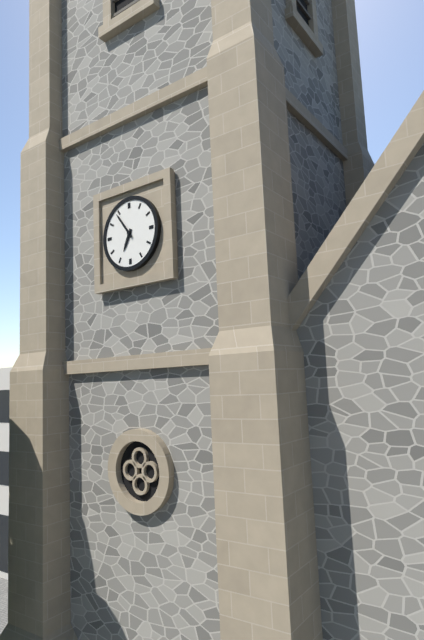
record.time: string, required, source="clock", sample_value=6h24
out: 6h54
